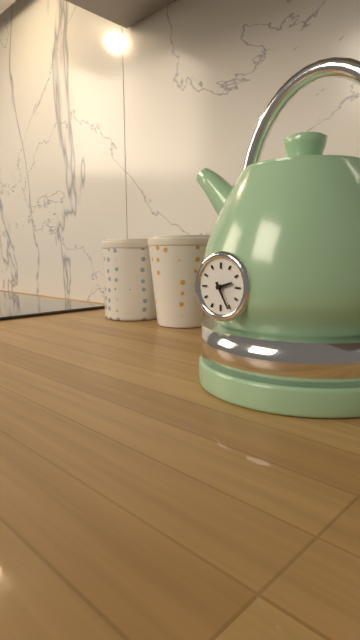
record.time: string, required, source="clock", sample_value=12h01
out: 2h25
